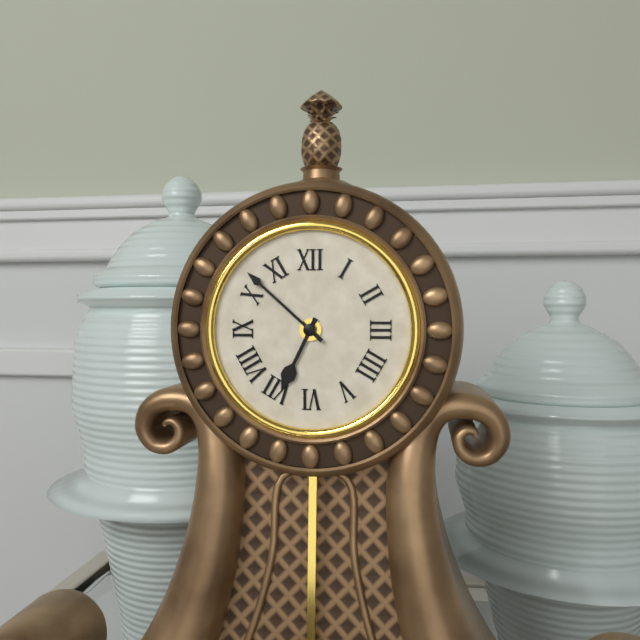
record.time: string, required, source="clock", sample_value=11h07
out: 6h52
